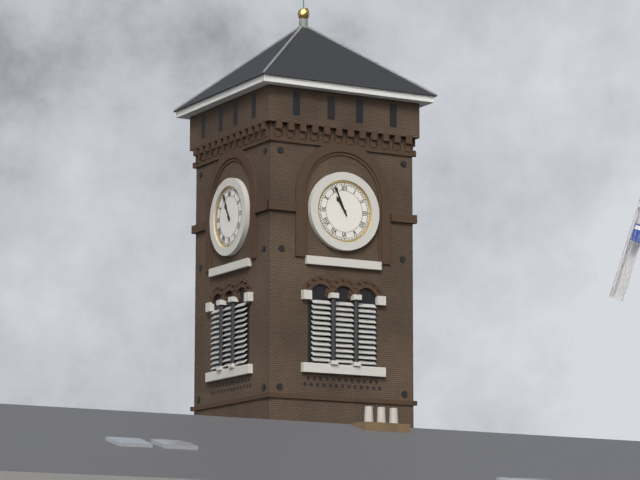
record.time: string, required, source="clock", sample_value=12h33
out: 10h56
